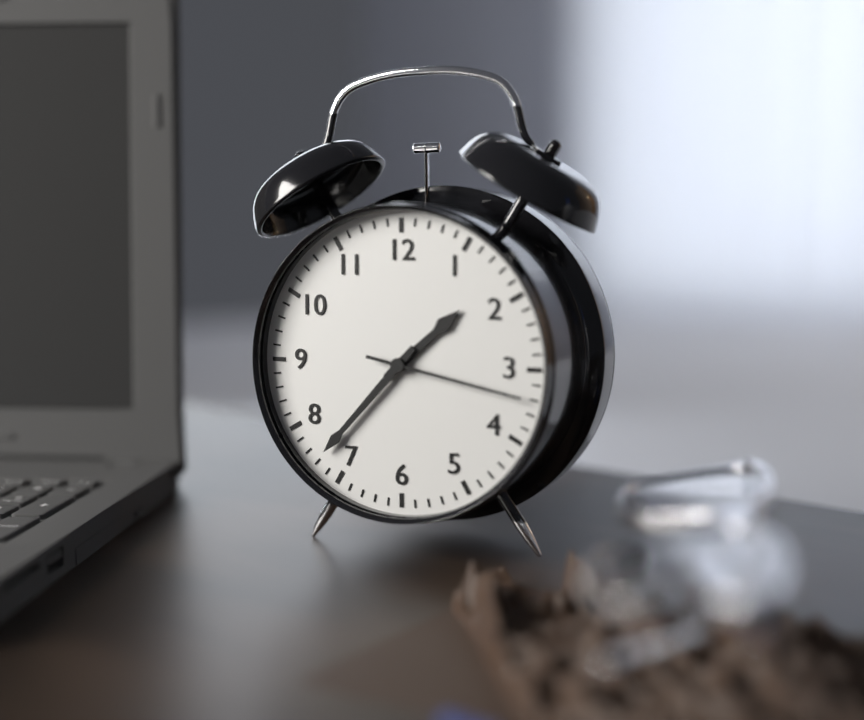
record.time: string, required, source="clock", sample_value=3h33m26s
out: 1h37m17s
